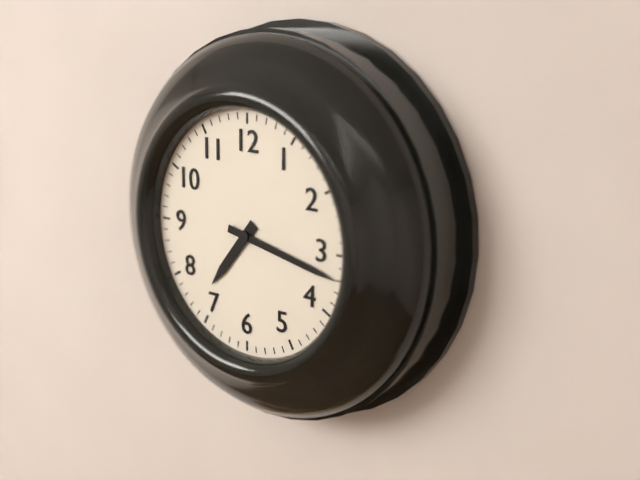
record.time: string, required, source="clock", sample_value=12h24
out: 7h17
